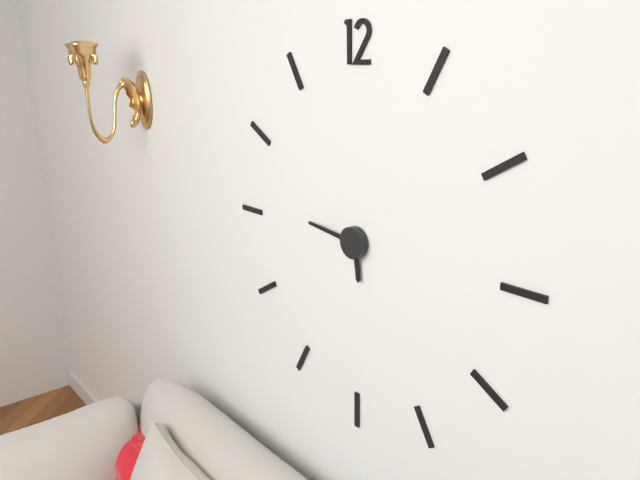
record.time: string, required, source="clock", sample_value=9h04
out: 5h46
